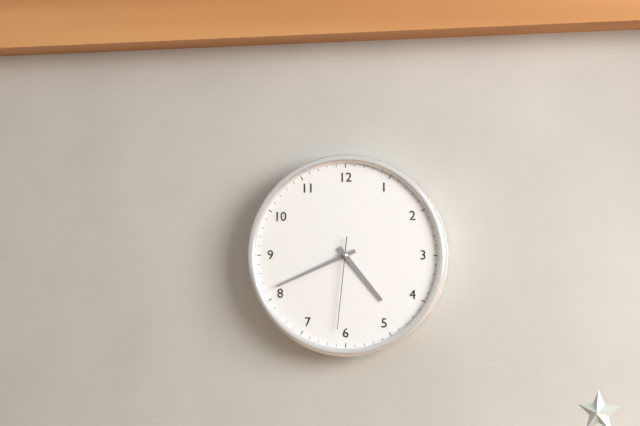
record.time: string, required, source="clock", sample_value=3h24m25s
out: 4h41m31s
